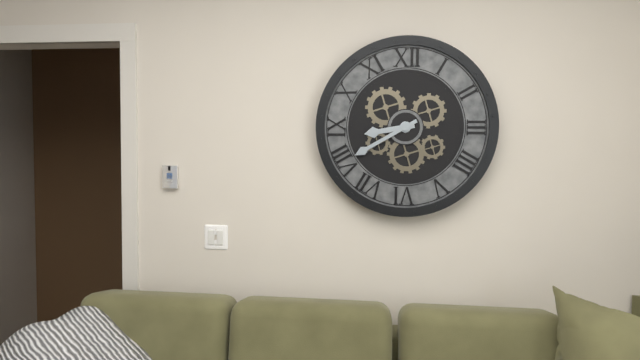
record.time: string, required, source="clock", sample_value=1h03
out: 8h40
